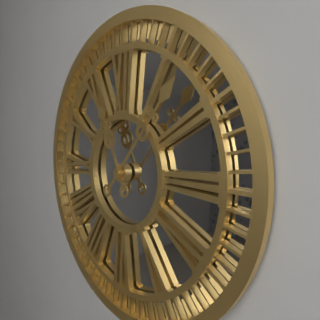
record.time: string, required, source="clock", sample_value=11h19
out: 11h07
